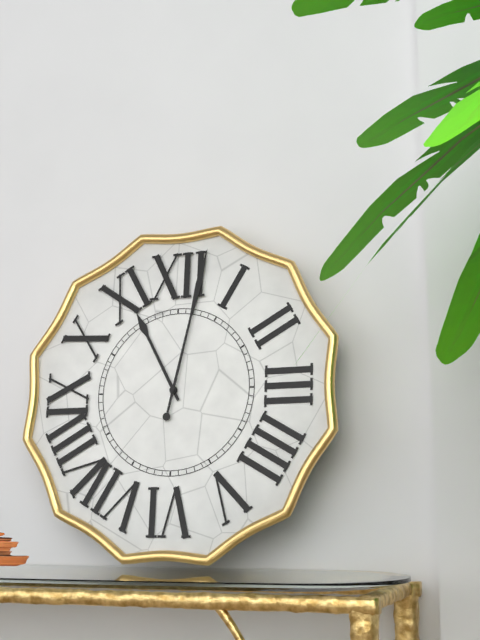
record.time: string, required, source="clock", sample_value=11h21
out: 11h02
